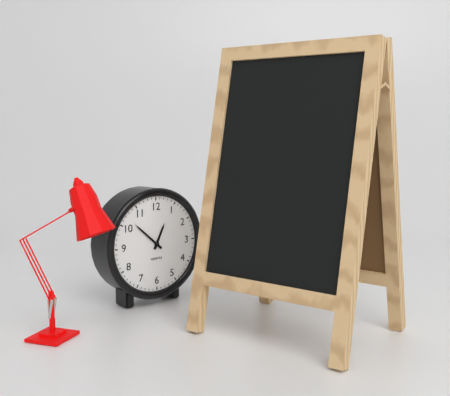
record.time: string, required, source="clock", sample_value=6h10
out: 12h52
